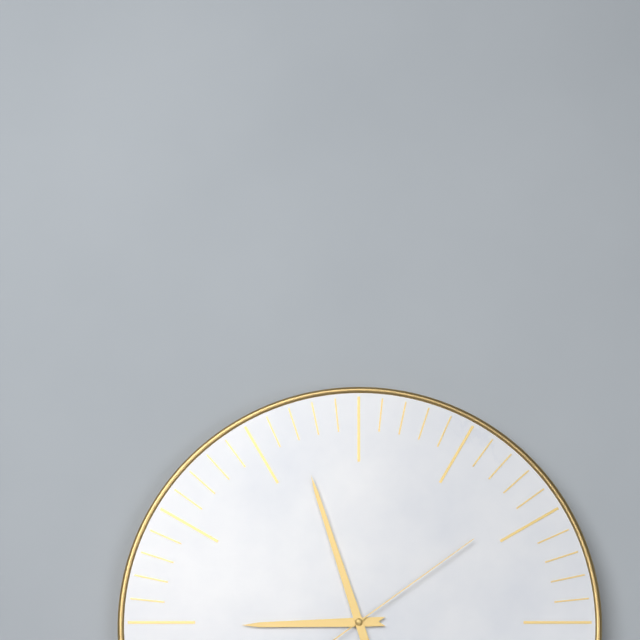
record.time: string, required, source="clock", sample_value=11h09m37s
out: 8h57m09s
